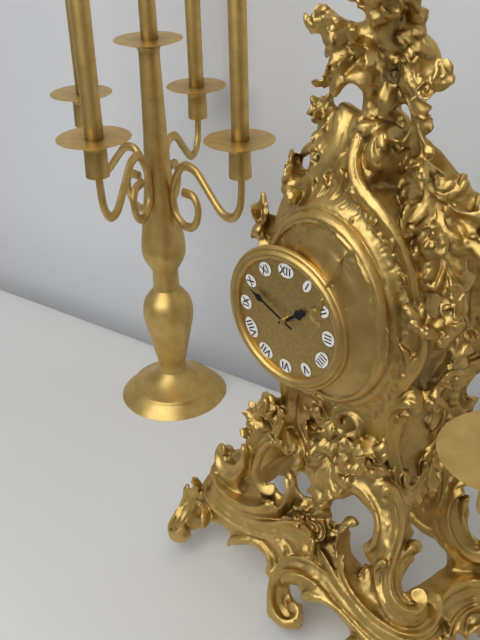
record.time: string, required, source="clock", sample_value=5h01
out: 1h49
